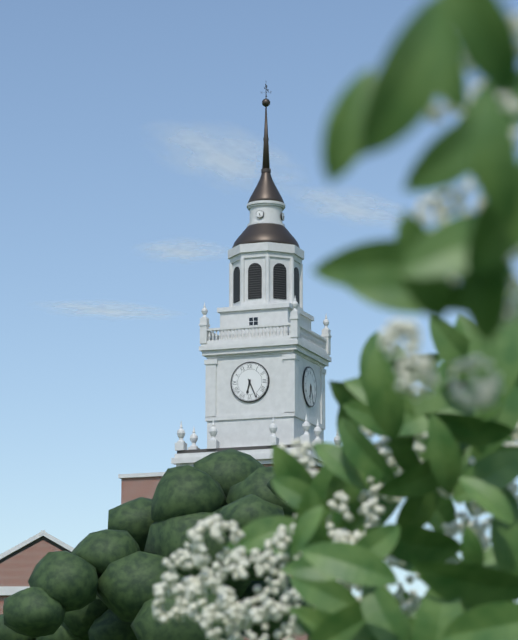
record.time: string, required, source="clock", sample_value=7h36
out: 6h26
